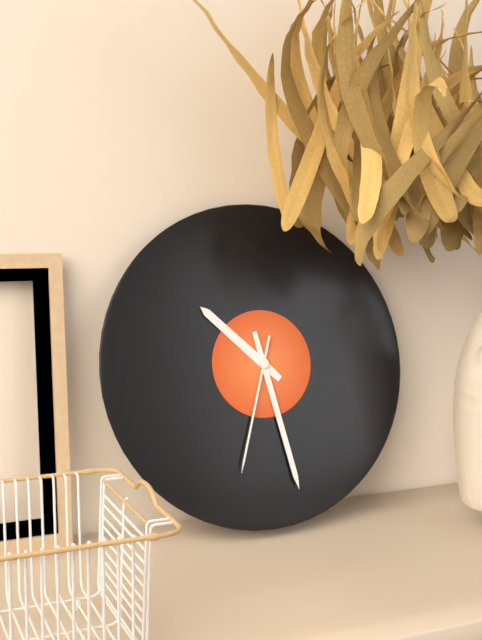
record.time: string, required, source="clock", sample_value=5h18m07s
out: 10h28m33s
